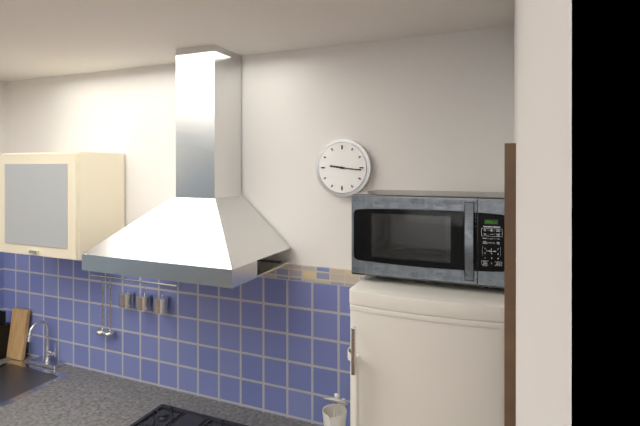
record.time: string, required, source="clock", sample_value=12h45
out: 9h16
